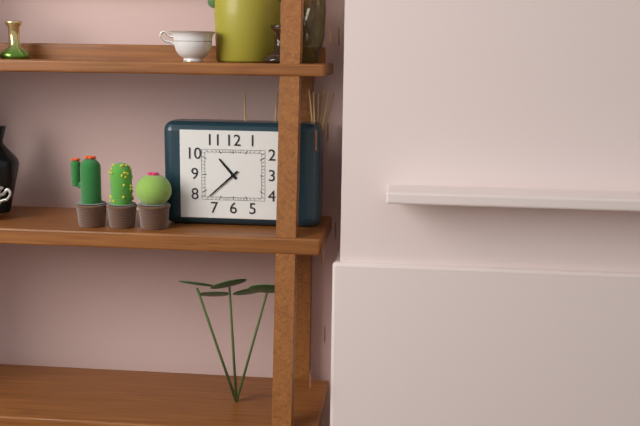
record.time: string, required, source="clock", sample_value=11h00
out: 10h38
